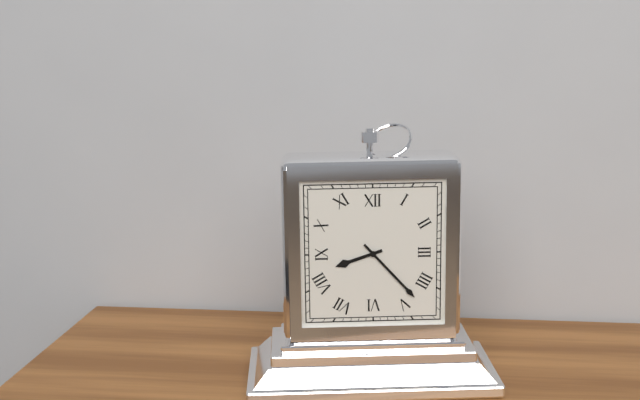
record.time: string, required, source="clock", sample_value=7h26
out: 8h23
